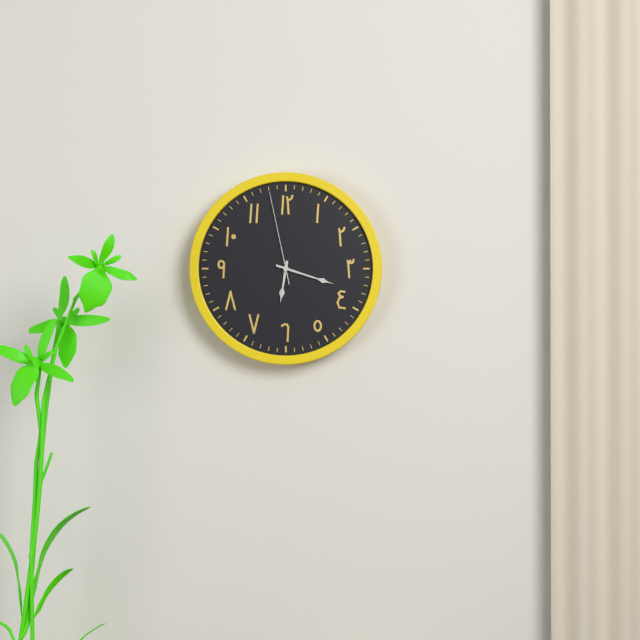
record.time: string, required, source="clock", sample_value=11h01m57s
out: 6h18m58s
